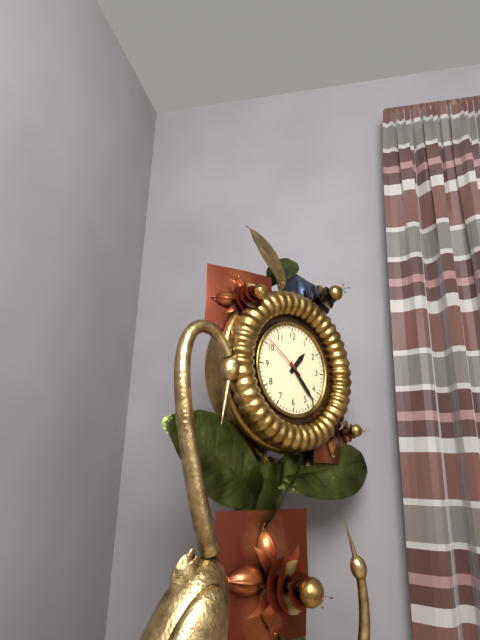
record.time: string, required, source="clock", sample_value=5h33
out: 1h23
